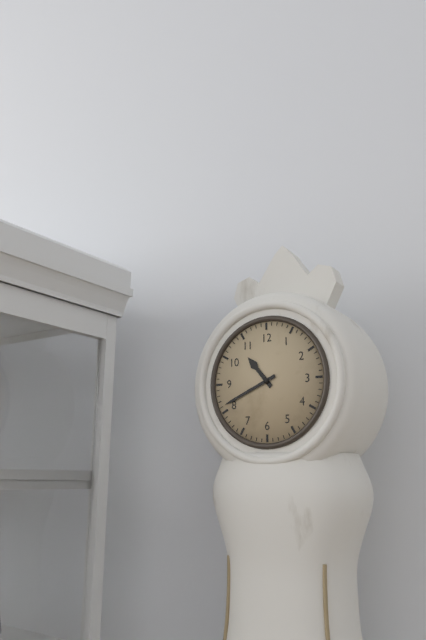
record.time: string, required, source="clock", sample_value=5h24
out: 10h41
